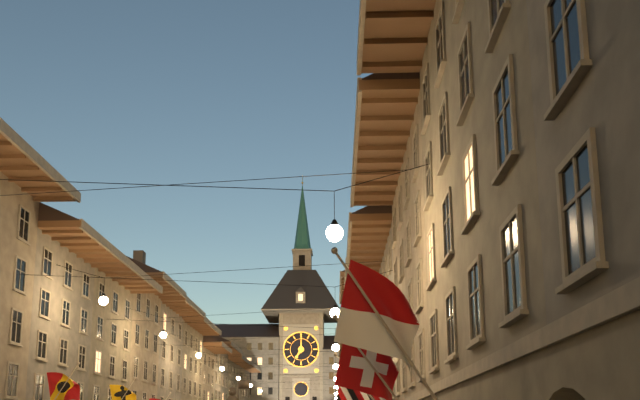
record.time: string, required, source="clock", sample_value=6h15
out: 7h00
